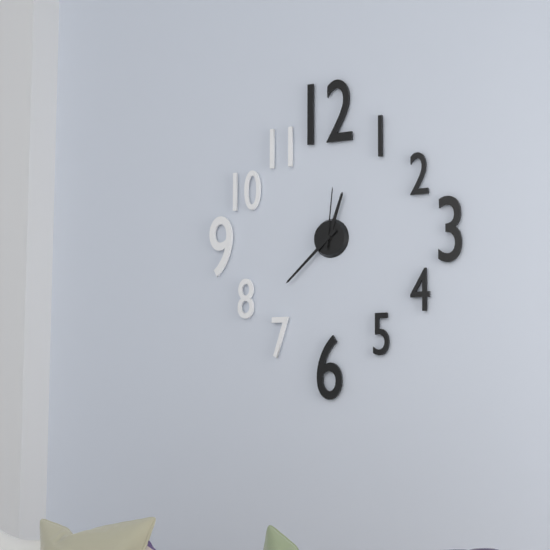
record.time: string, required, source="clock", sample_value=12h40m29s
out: 12h38m01s
